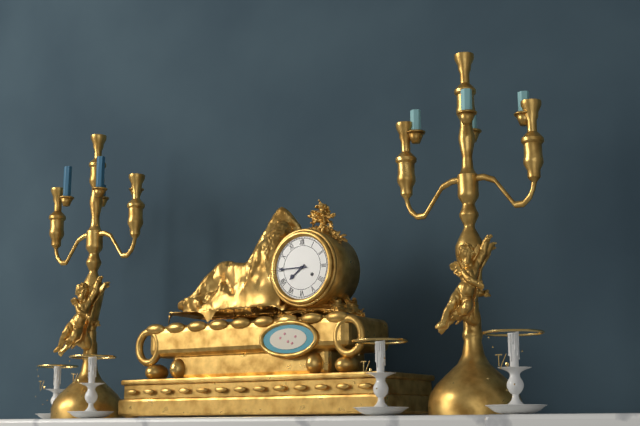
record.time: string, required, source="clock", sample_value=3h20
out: 7h45
